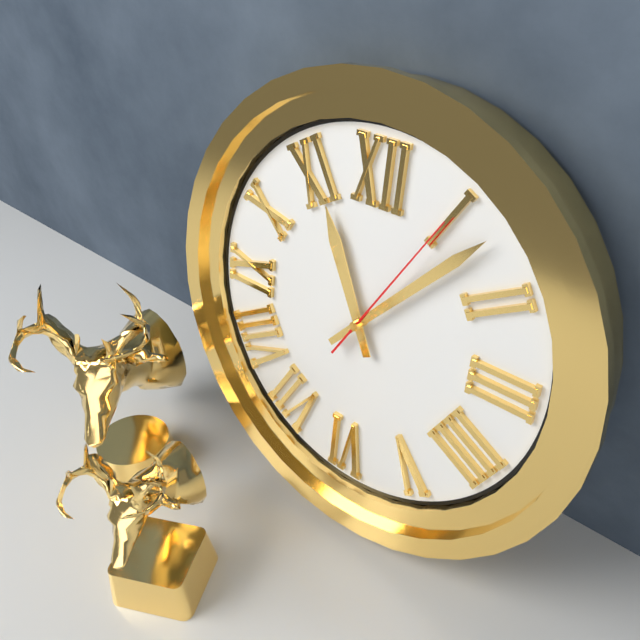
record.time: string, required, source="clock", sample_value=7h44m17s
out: 11h07m05s
